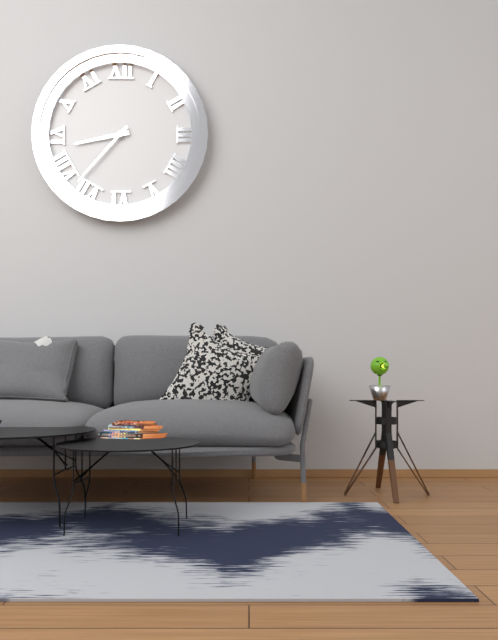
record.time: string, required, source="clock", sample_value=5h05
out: 8h37
